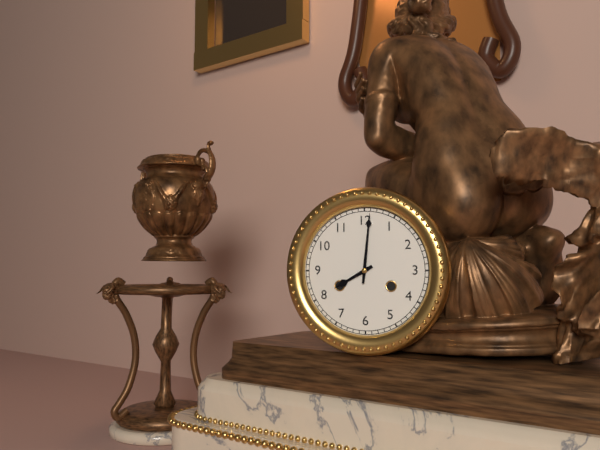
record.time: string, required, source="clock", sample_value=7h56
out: 8h01
